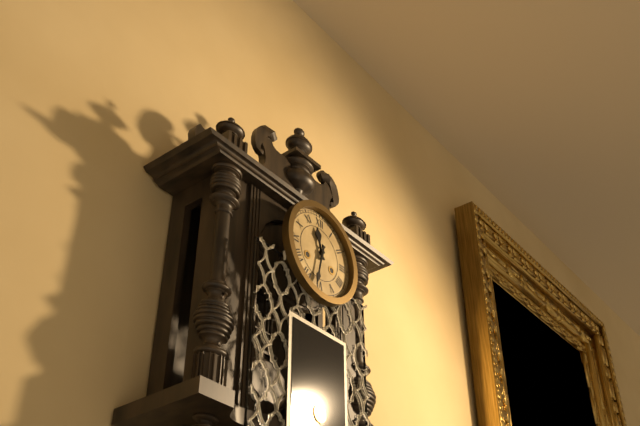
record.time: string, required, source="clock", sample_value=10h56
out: 11h32
